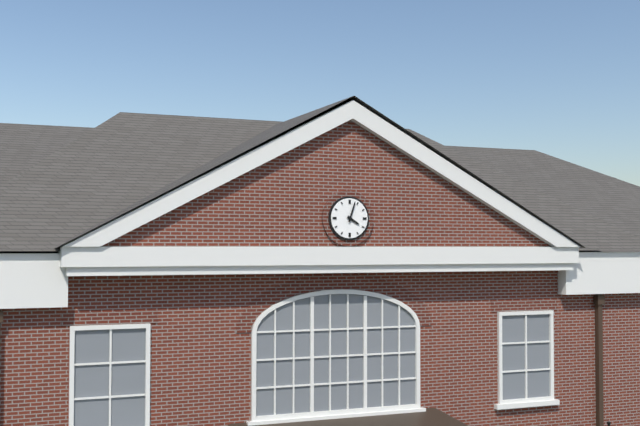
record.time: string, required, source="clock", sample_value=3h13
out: 4h03
